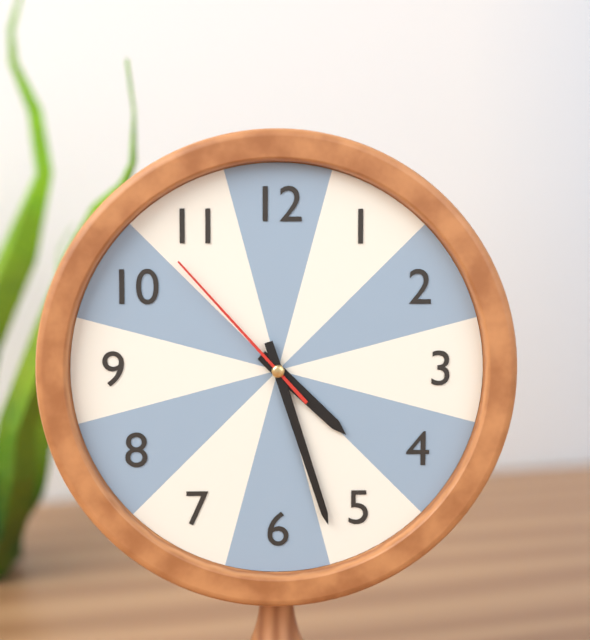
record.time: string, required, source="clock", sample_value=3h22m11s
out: 4h27m53s
